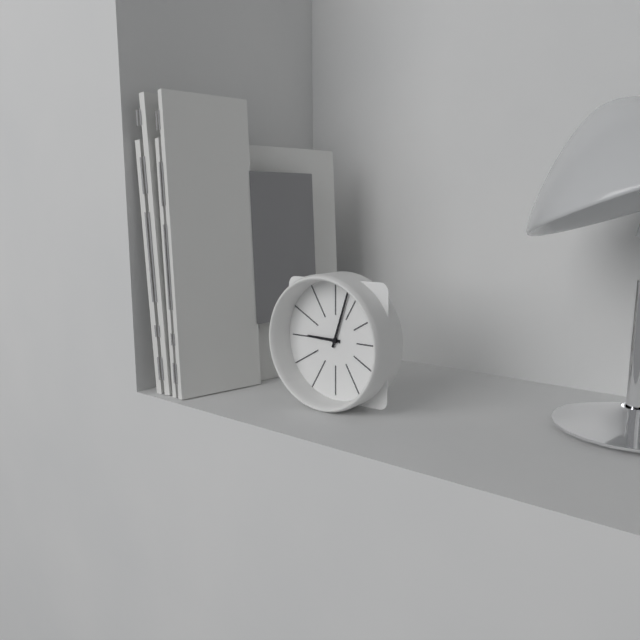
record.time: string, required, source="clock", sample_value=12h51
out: 9h03
